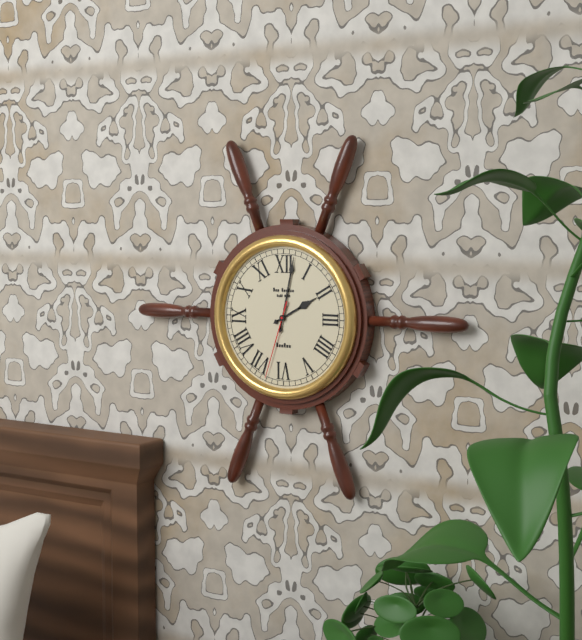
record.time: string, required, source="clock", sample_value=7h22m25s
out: 2h02m33s
